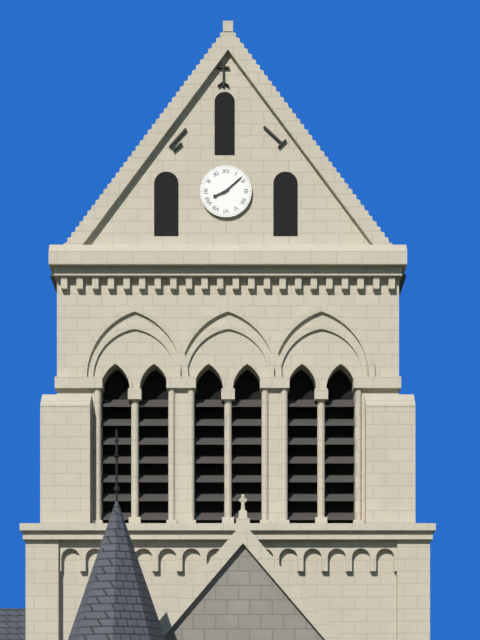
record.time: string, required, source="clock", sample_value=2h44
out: 8h08
